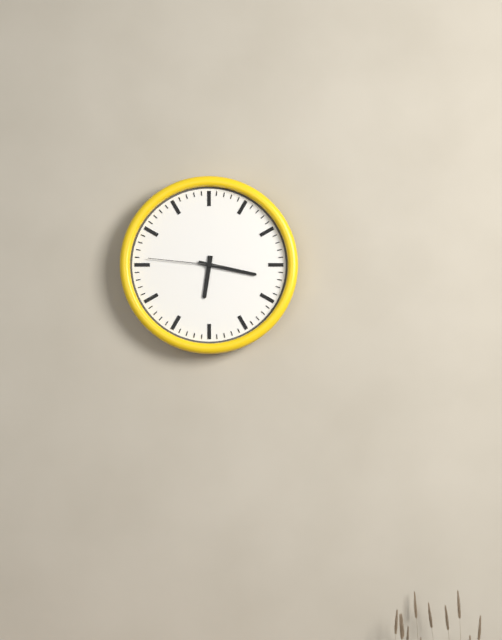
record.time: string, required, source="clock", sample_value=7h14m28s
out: 6h17m46s
